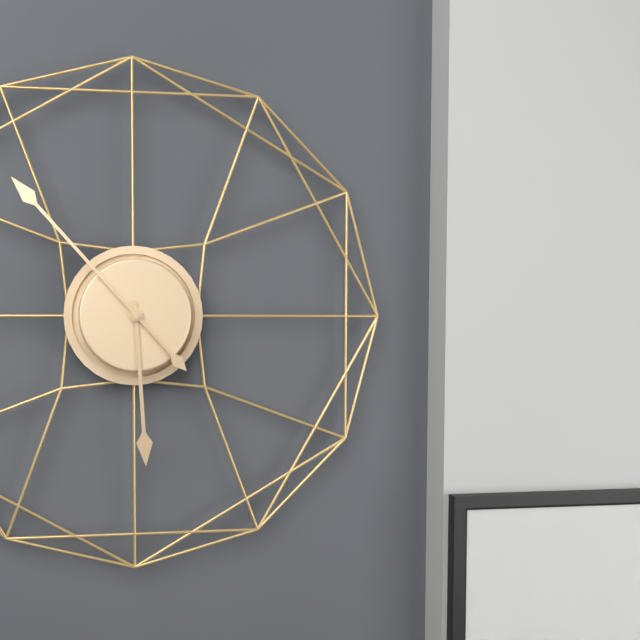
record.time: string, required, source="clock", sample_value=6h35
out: 5h53
